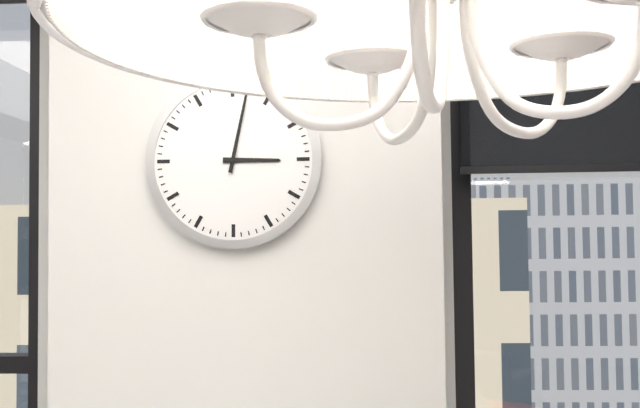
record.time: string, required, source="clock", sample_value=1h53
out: 3h02
